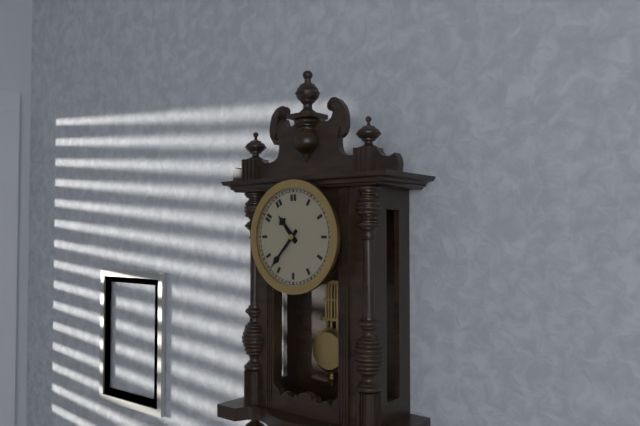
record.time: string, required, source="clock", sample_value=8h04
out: 10h37
